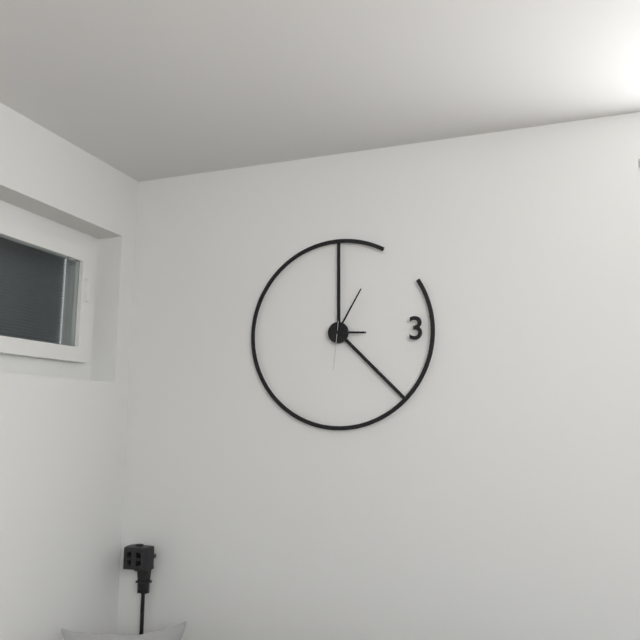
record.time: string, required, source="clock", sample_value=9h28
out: 3h05
